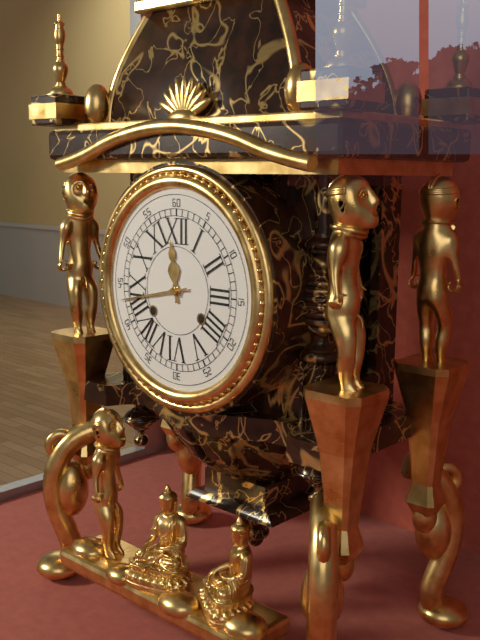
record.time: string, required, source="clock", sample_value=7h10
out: 11h43
